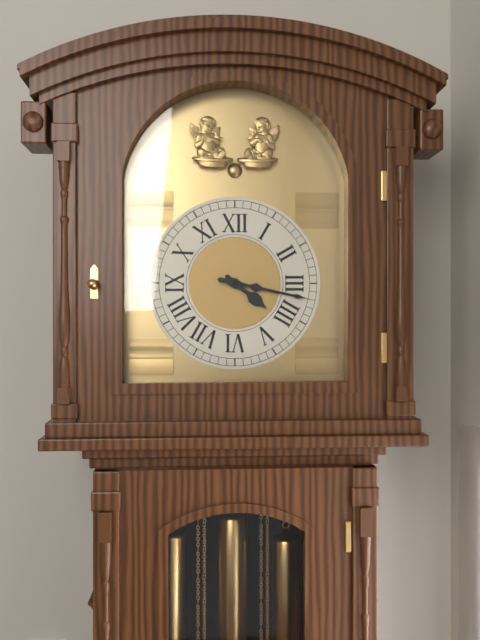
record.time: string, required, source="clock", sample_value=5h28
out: 4h17
